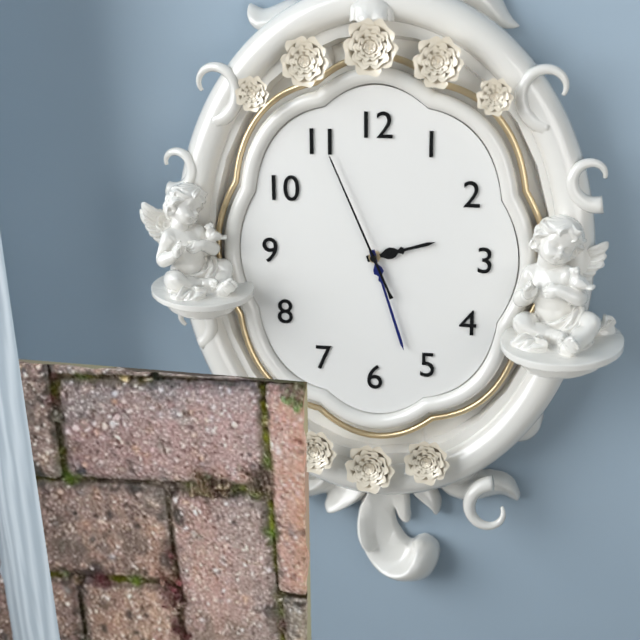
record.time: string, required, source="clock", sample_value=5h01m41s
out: 2h27m56s
